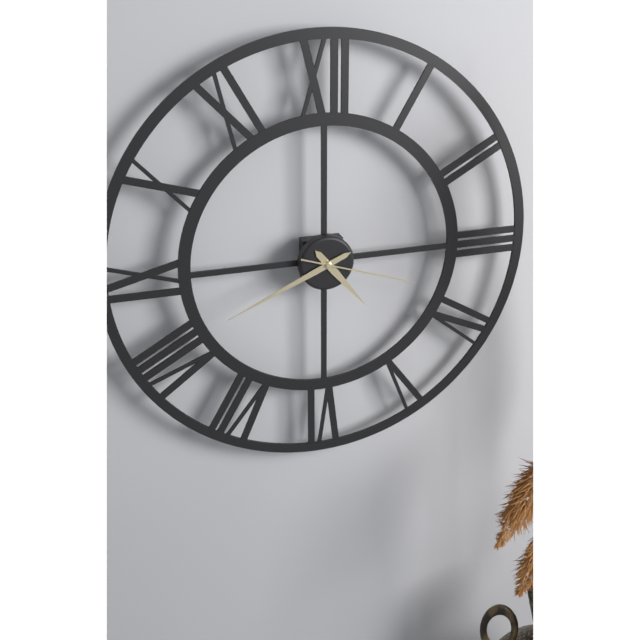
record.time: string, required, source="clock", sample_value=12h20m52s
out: 4h41m18s
